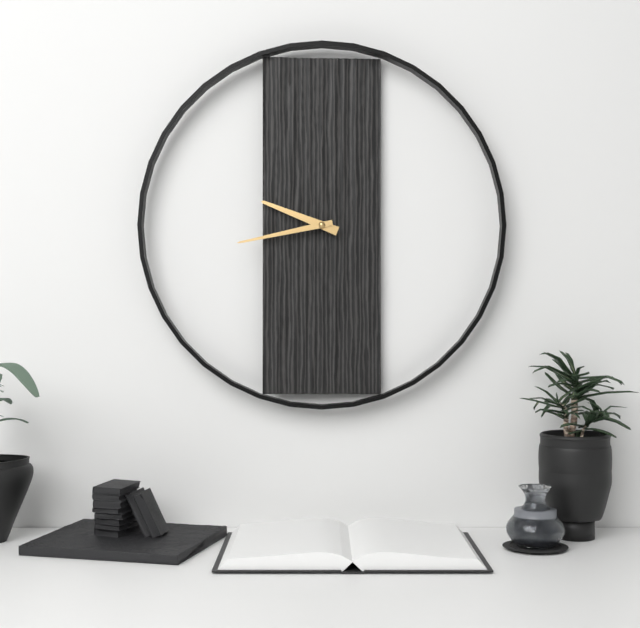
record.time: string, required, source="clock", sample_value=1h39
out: 9h43
